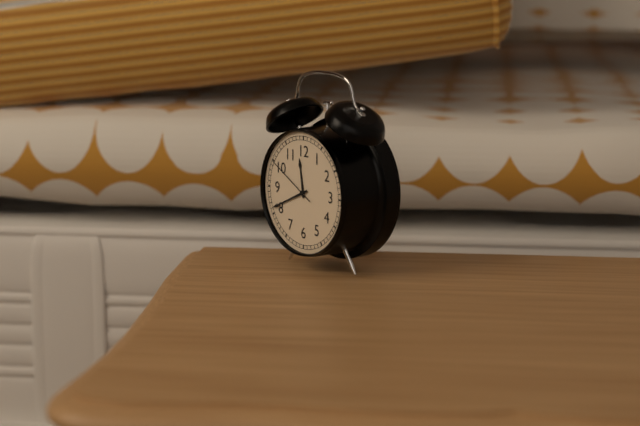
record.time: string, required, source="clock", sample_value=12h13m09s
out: 11h41m50s
